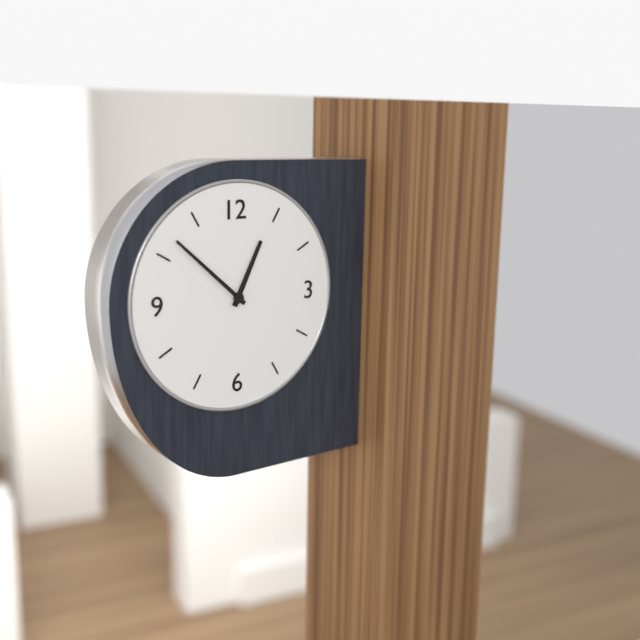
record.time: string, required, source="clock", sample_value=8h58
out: 12h52
